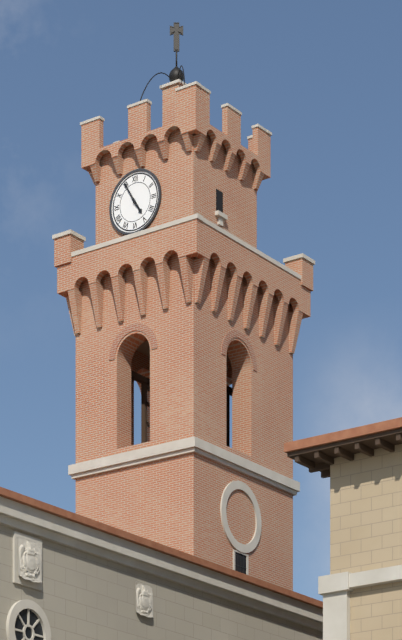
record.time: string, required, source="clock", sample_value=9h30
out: 4h55
